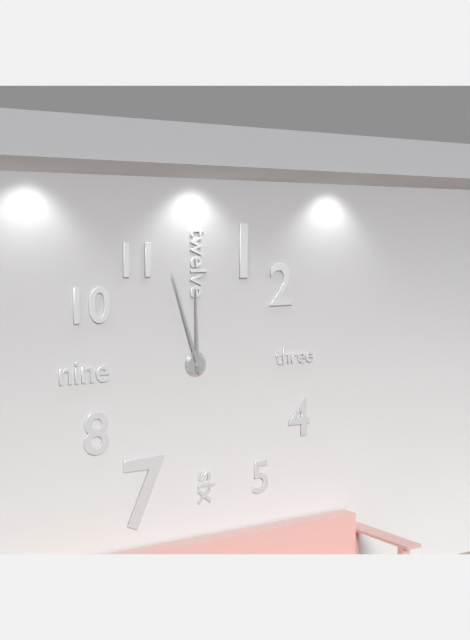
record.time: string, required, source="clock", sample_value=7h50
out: 11h57
